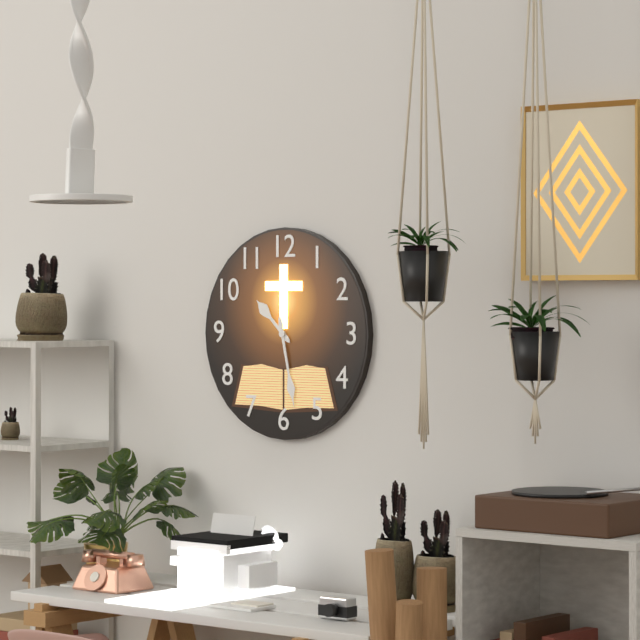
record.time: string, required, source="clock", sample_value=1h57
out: 10h28
